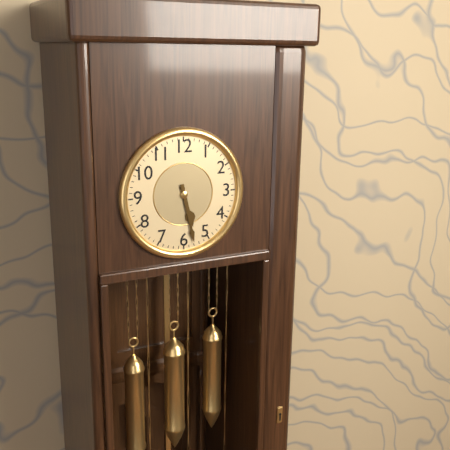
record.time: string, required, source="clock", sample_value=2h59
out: 5h28
